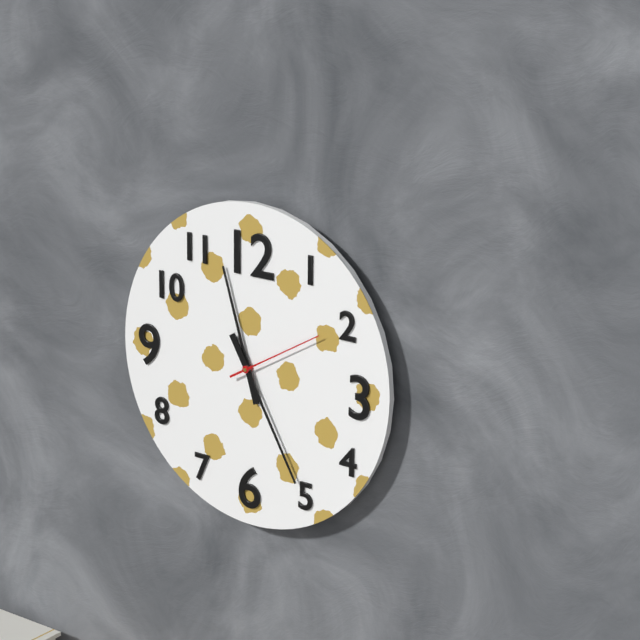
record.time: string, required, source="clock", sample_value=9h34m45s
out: 11h25m10s
